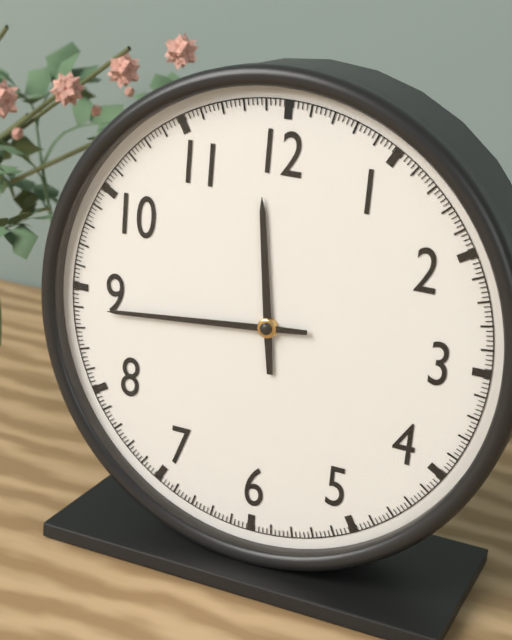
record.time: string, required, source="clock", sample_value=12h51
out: 11h44
